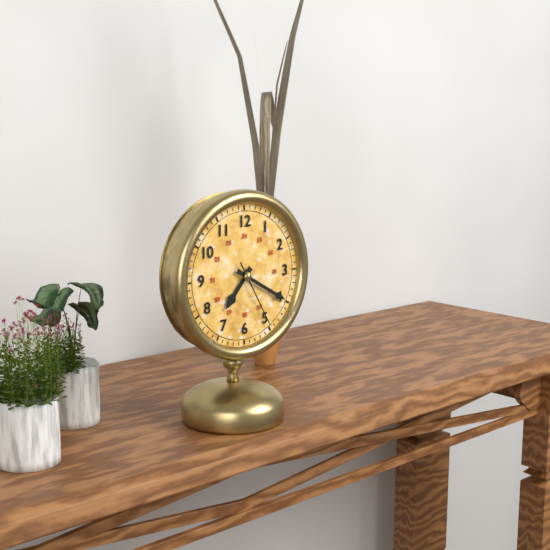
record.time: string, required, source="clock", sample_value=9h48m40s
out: 7h20m25s
